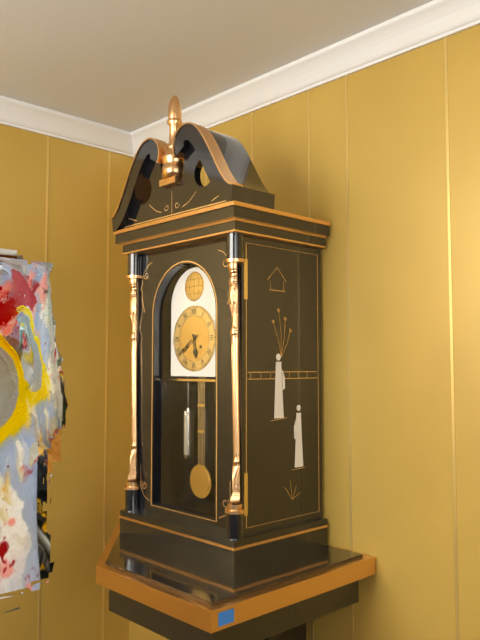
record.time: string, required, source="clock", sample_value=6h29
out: 5h39
